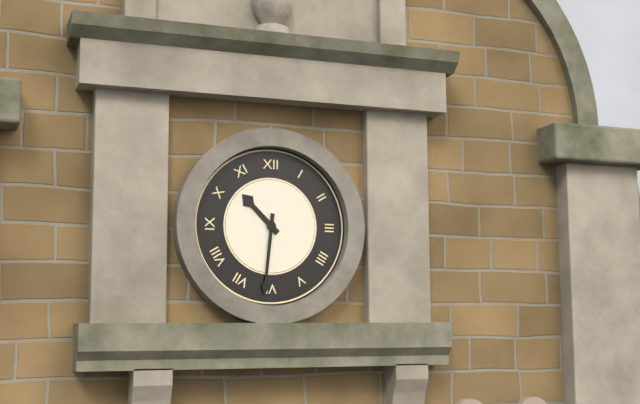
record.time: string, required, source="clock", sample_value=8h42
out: 10h31
